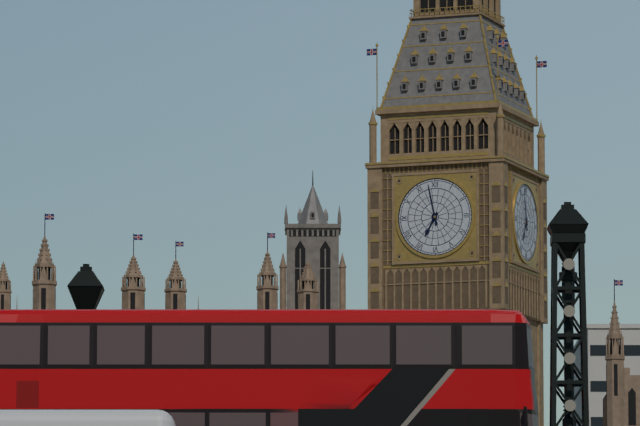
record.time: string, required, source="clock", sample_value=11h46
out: 6h58
